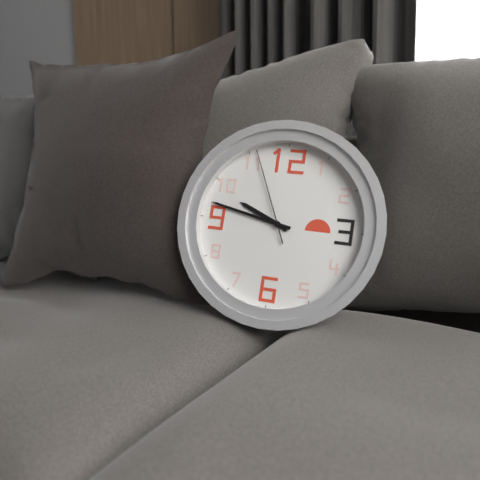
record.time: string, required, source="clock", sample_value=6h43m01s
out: 9h47m56s
